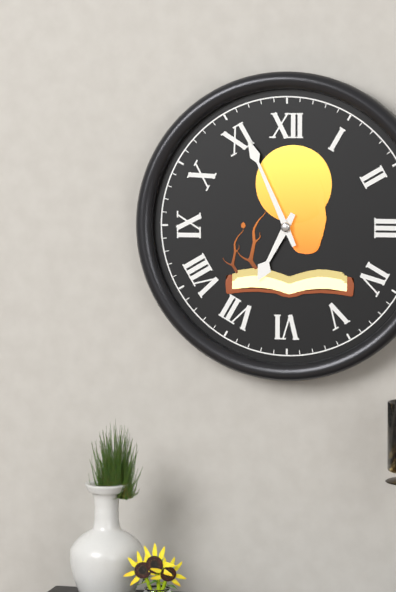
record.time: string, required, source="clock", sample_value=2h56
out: 6h56
